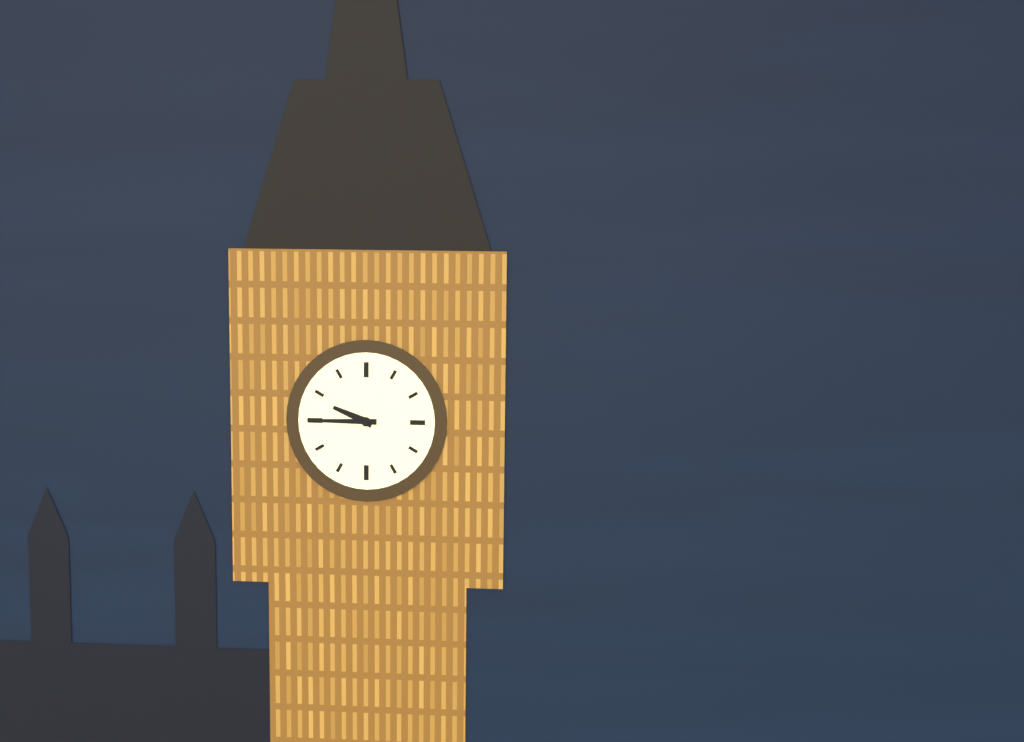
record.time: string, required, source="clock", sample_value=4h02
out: 9h45
